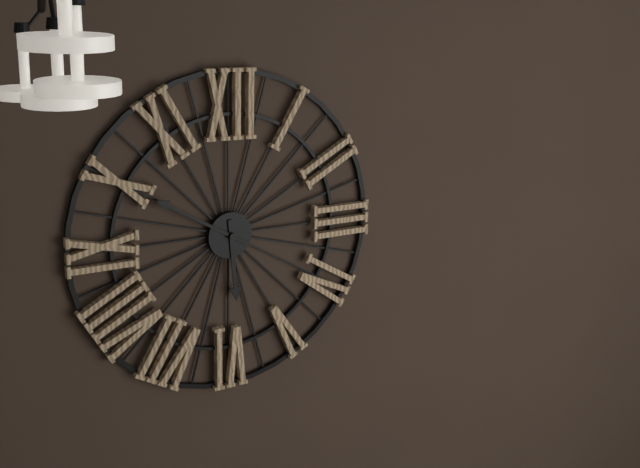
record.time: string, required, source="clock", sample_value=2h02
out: 5h50
